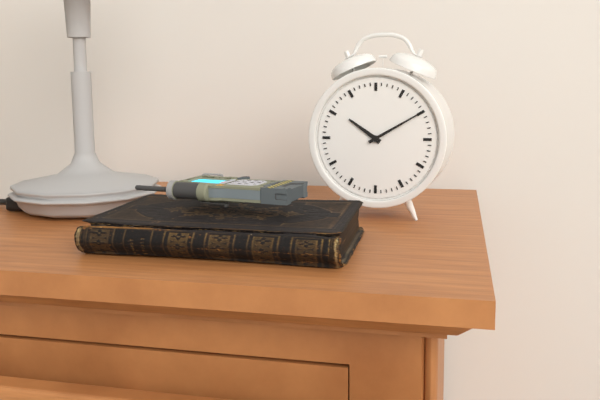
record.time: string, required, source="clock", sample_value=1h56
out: 10h10
